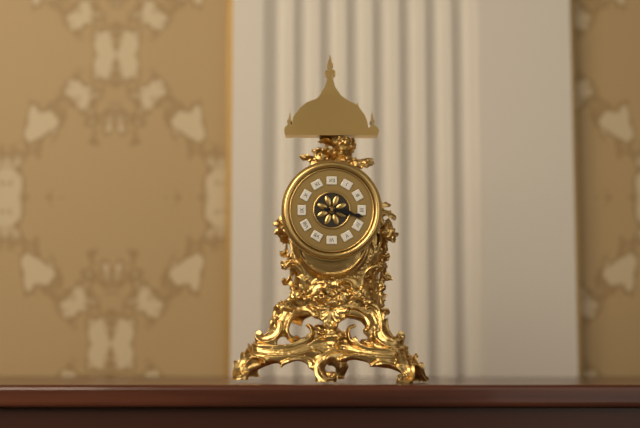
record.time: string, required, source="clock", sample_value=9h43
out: 3h17
